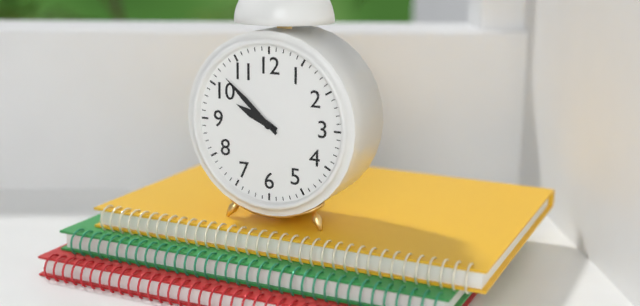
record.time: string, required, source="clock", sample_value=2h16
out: 9h52
